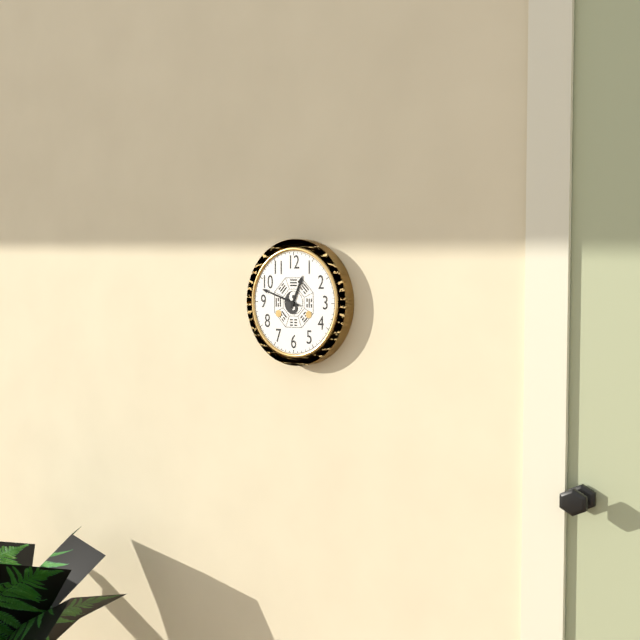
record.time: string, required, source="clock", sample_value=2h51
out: 12h48
